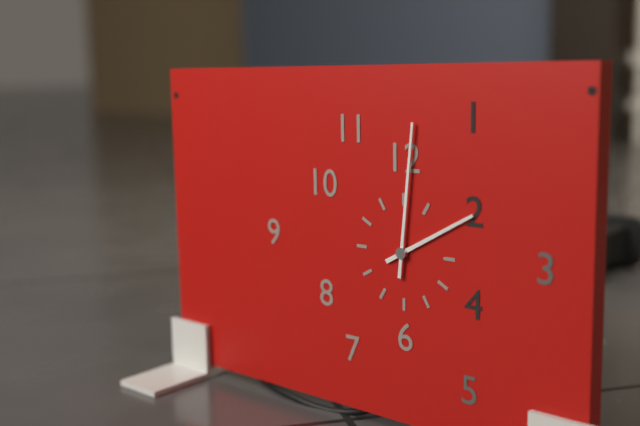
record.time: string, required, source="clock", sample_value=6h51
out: 2h01
